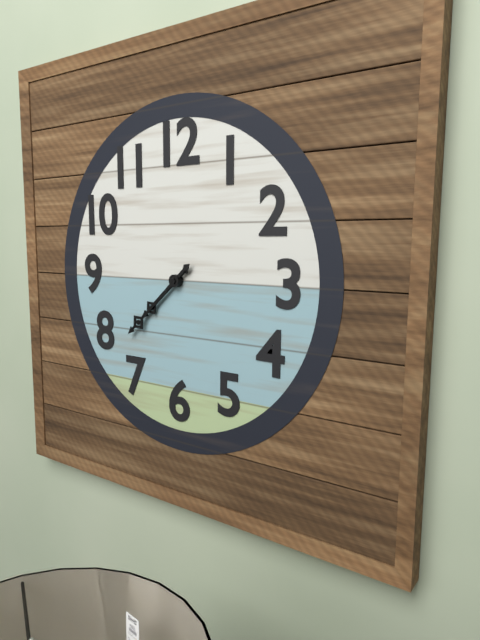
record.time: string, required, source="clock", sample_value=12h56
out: 7h38
